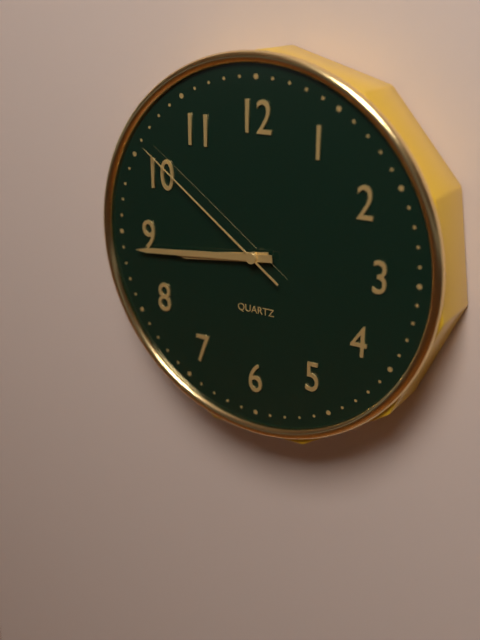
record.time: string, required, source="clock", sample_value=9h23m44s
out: 8h44m51s
